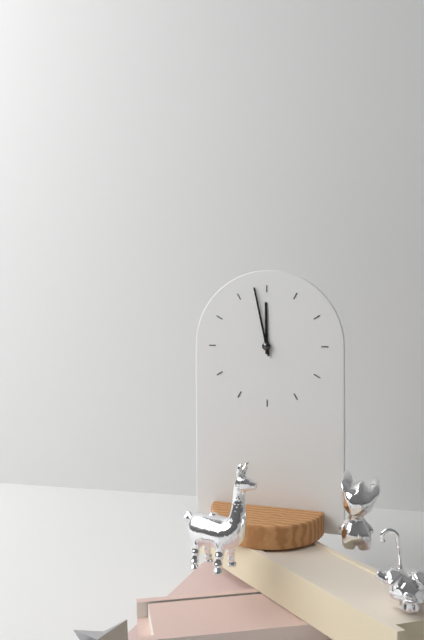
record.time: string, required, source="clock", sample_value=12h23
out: 11h58
